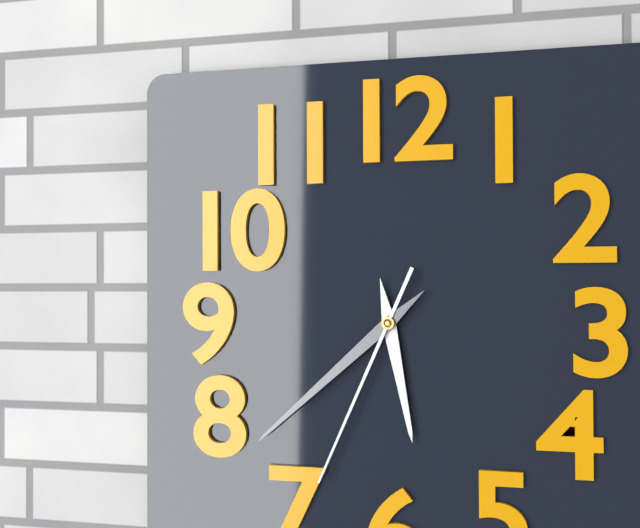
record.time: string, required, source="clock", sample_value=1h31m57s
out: 5h38m34s
